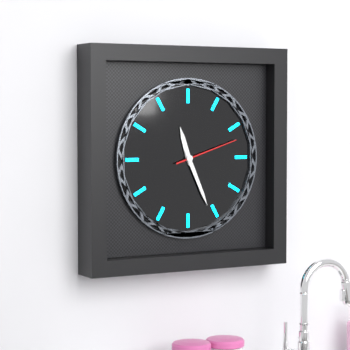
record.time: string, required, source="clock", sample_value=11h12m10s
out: 11h26m12s
